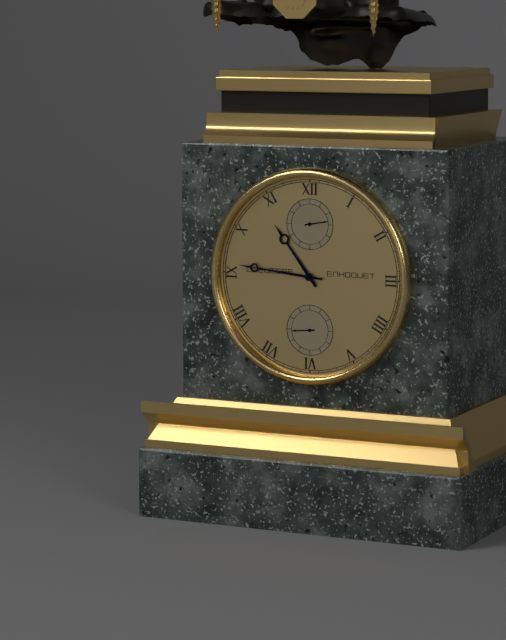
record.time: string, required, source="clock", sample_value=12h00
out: 10h46
